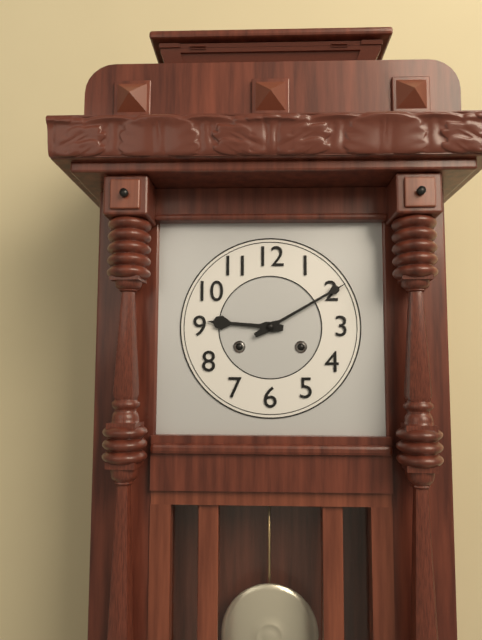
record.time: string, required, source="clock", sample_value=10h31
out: 9h10
